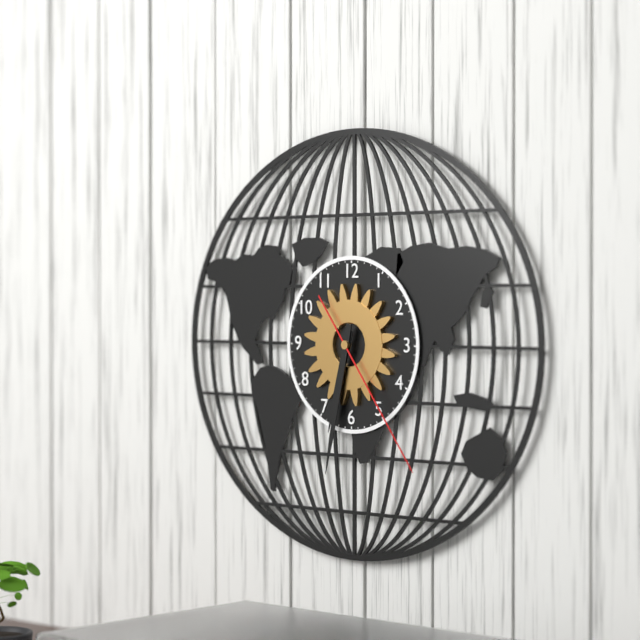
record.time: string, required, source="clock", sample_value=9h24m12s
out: 6h32m24s
